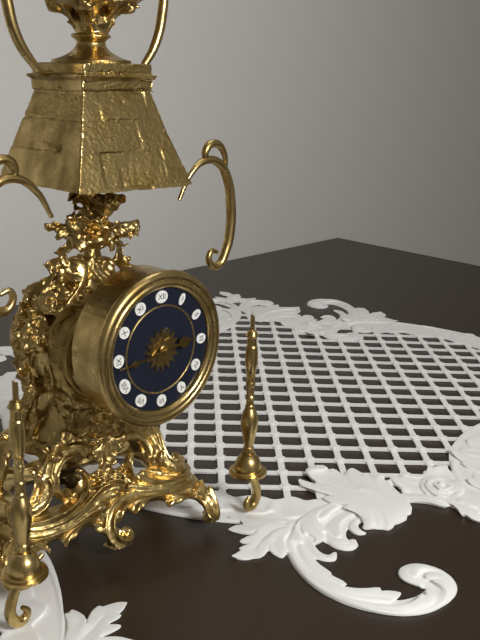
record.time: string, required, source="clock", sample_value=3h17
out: 2h44
